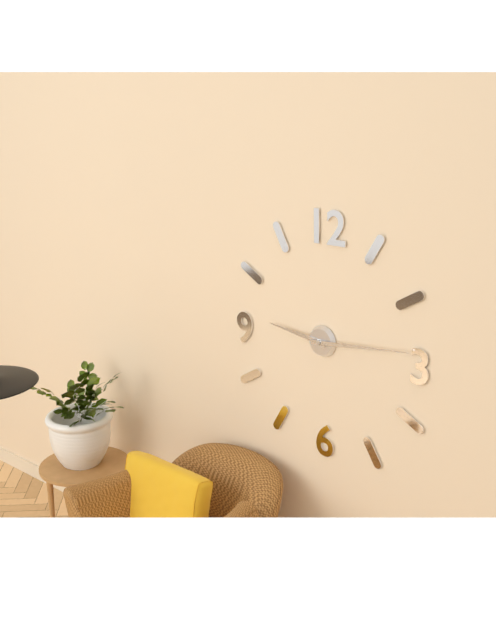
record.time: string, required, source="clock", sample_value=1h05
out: 9h14
